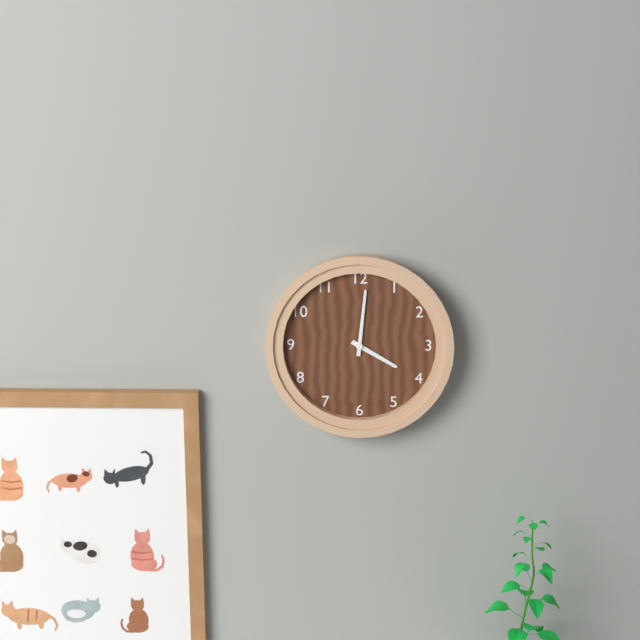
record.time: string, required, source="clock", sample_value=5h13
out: 4h01
